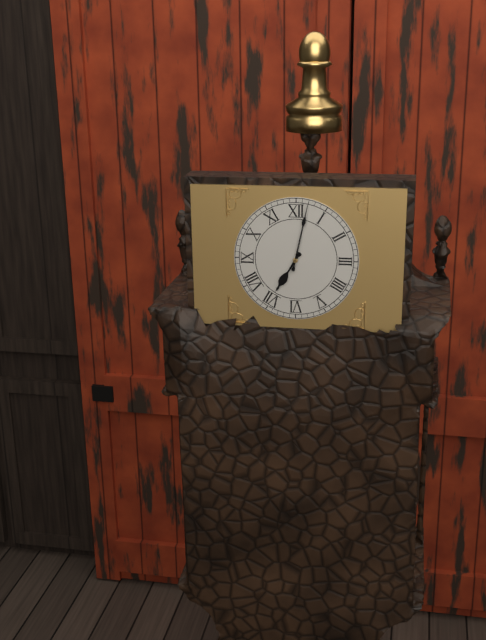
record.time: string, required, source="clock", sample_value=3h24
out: 7h02
